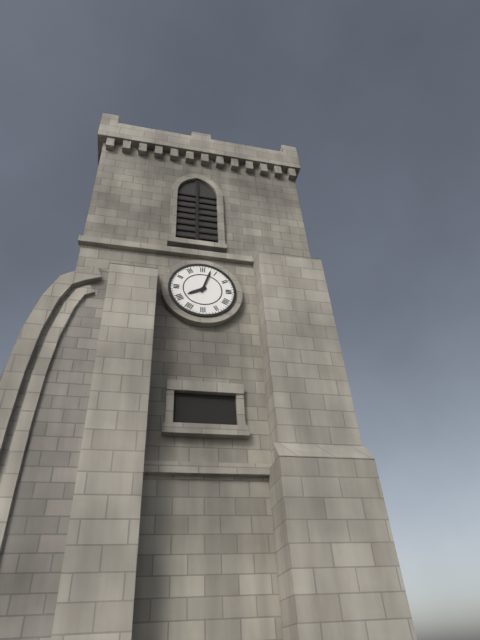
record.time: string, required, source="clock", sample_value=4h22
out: 8h03
